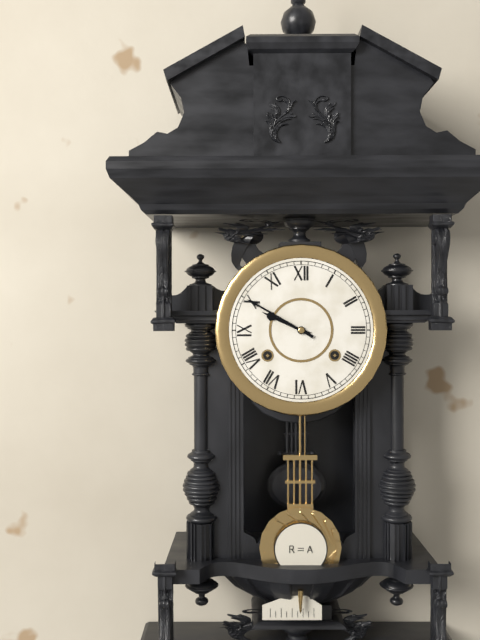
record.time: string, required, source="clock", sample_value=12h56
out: 9h50
